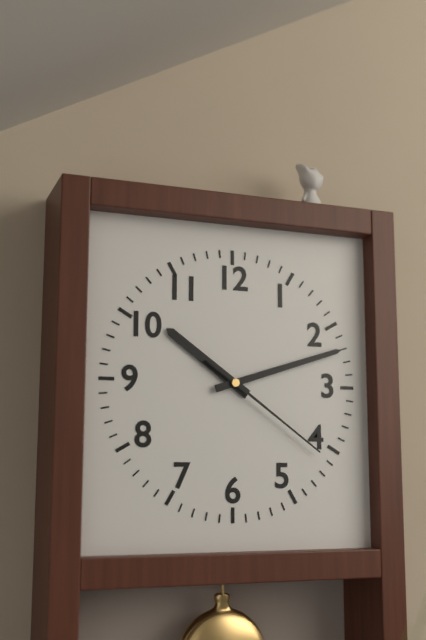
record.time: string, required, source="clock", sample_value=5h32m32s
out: 10h12m21s
